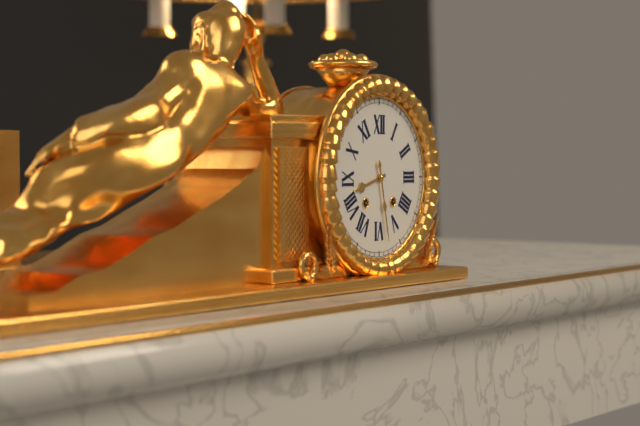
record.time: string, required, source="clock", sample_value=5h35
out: 8h28
